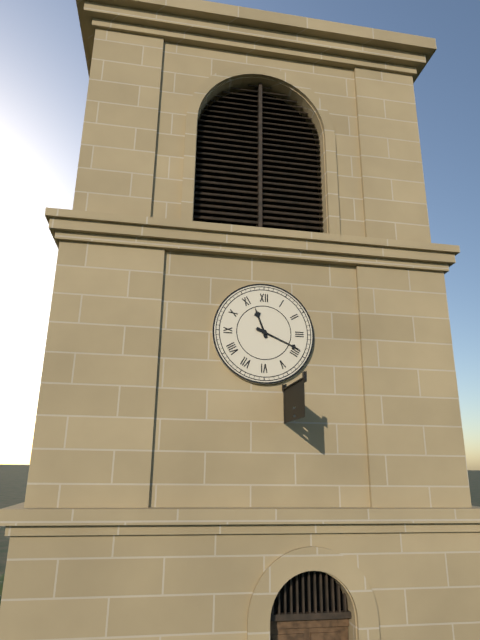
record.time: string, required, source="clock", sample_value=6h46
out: 11h19
